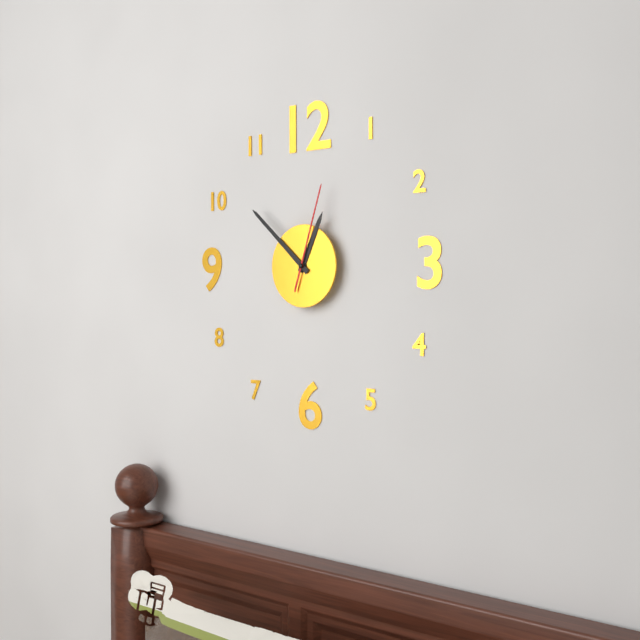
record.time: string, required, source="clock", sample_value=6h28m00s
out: 12h52m03s
